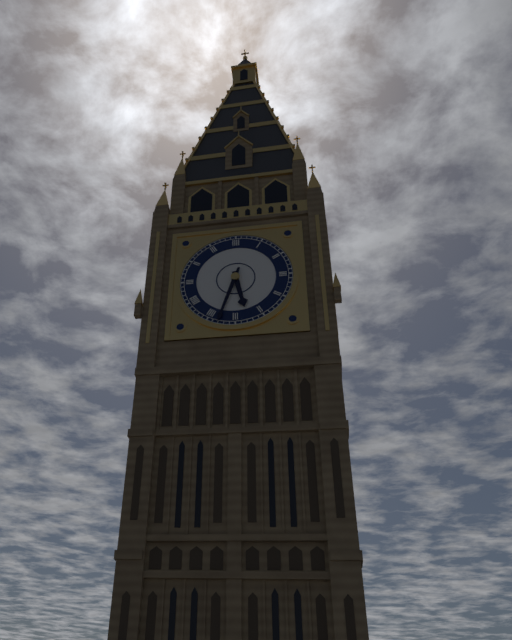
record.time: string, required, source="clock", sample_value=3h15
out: 5h33
